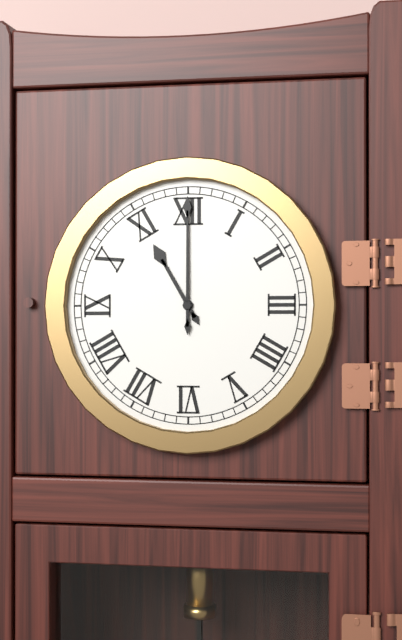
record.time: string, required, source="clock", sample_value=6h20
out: 11h00
